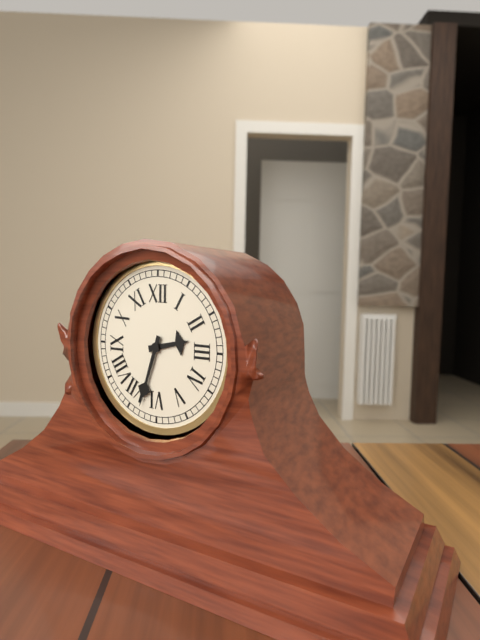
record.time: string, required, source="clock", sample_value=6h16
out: 2h33
